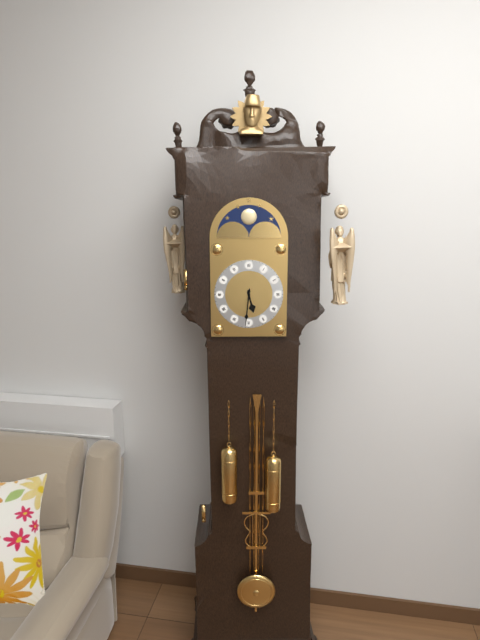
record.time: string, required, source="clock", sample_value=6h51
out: 5h31
